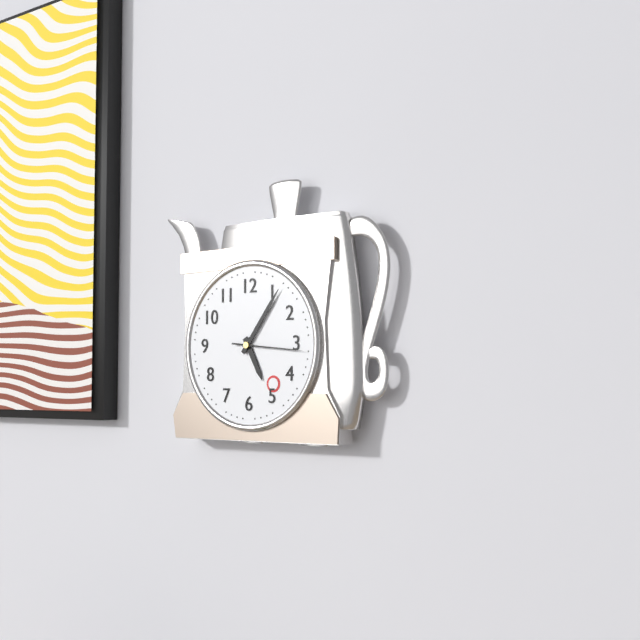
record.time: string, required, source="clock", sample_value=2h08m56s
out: 5h06m16s
